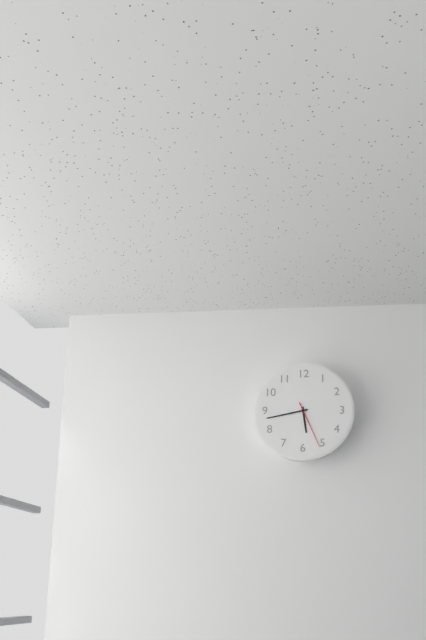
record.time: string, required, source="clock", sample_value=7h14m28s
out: 5h43m26s
